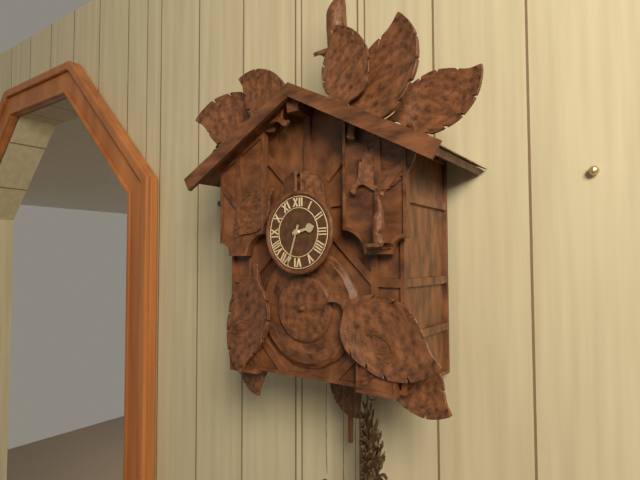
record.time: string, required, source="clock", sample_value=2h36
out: 2h33
